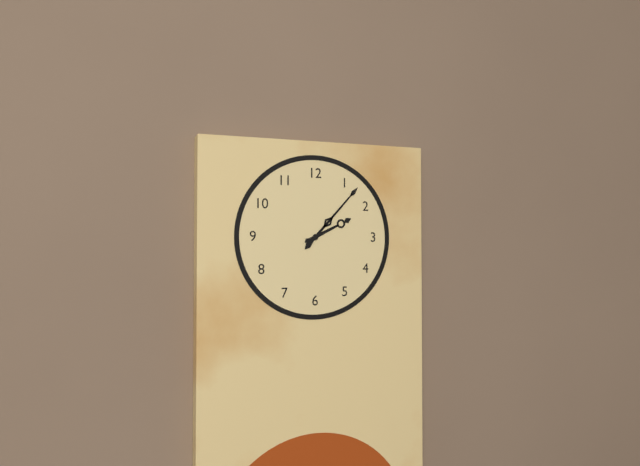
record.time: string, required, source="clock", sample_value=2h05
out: 2h07
